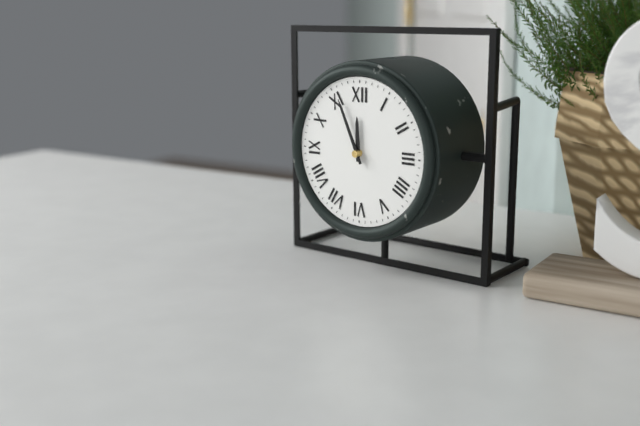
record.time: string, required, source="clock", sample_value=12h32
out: 11h56
